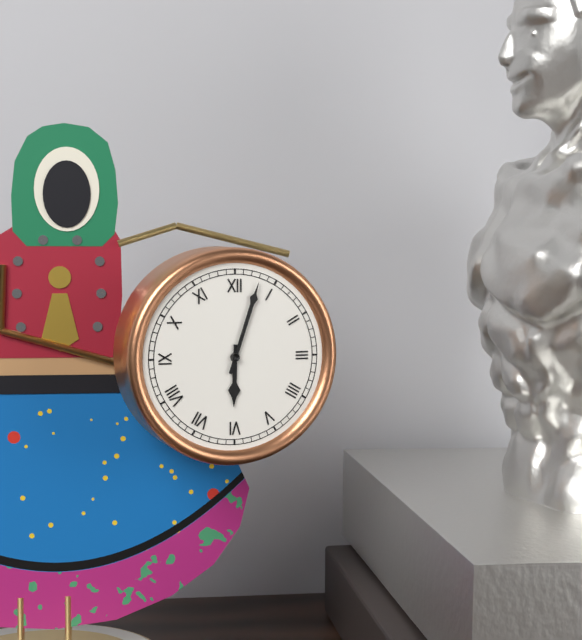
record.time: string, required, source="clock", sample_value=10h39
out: 6h03
